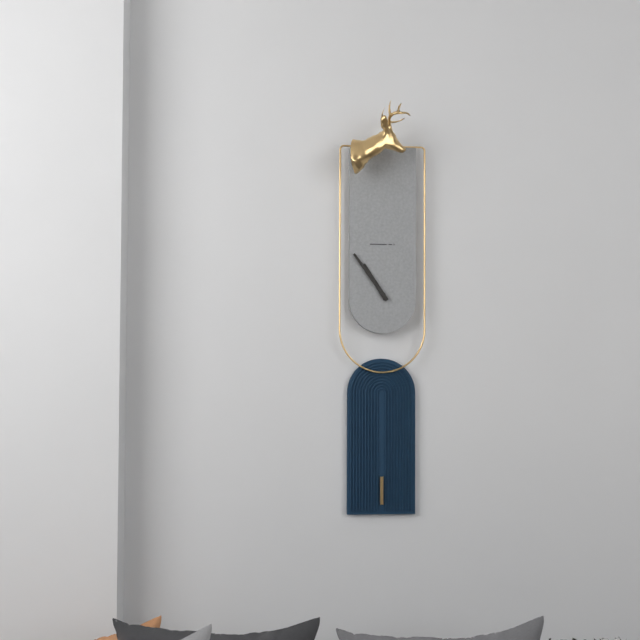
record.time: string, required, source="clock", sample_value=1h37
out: 10h54
